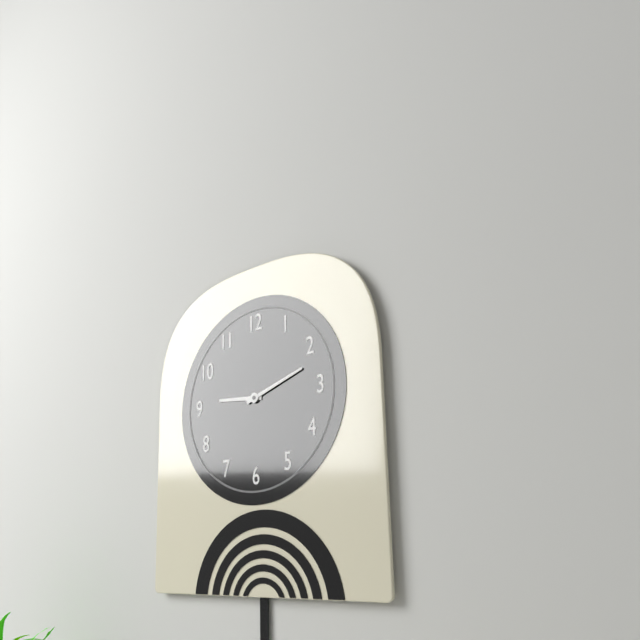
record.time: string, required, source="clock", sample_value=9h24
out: 9h12
